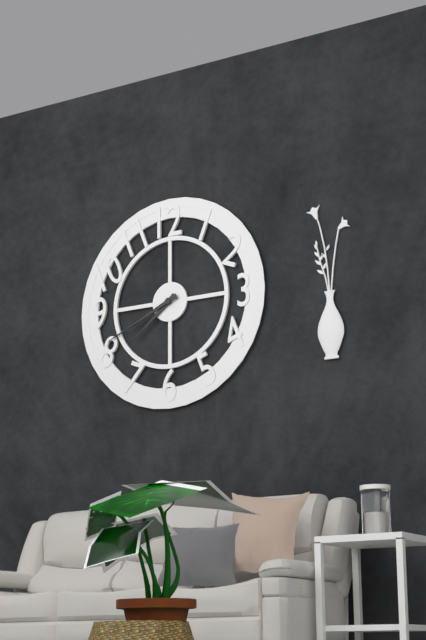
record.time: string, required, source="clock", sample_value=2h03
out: 7h41
